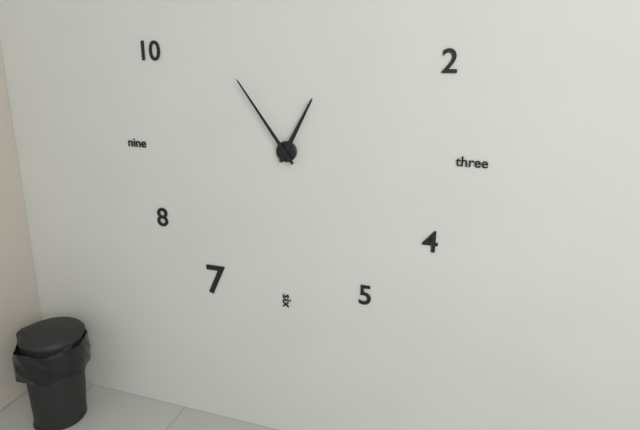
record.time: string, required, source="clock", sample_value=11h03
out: 12h54
